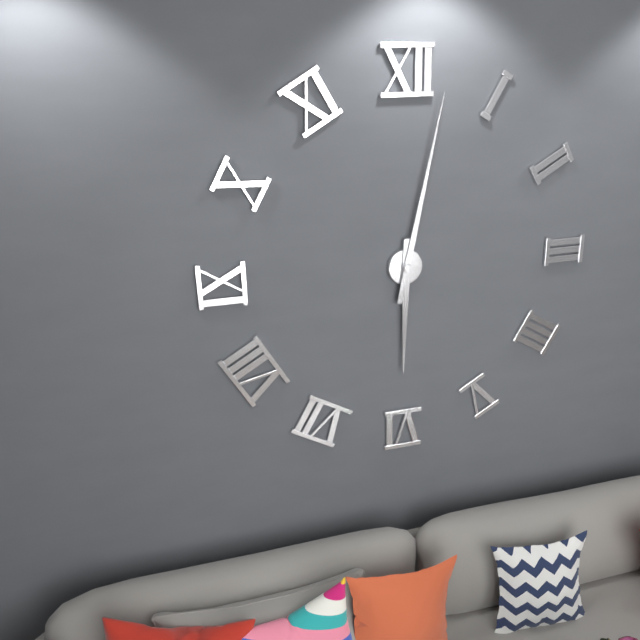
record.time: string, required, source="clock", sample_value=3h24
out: 6h02
